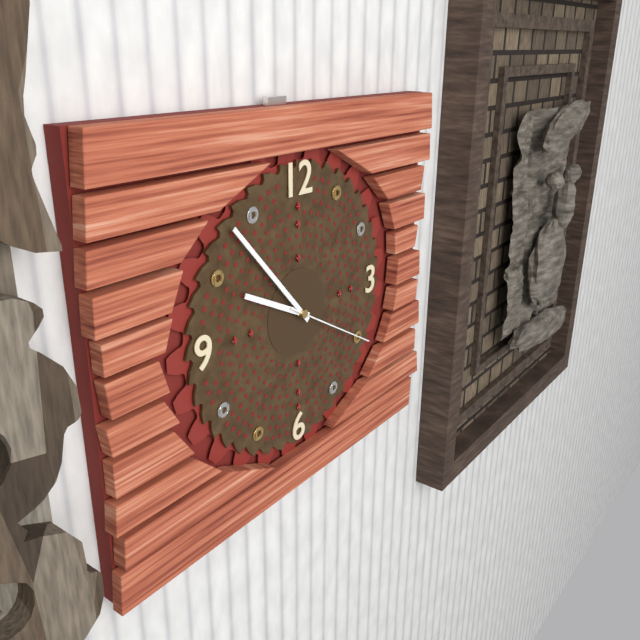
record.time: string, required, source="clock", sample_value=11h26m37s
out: 9h53m20s
